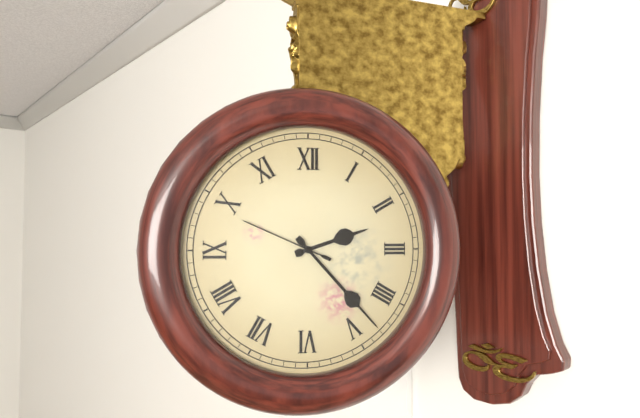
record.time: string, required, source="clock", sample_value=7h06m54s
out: 2h23m49s
